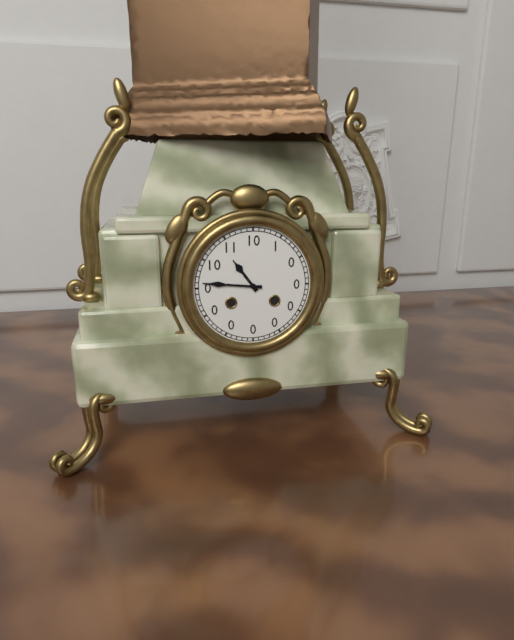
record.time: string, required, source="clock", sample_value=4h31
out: 10h46
